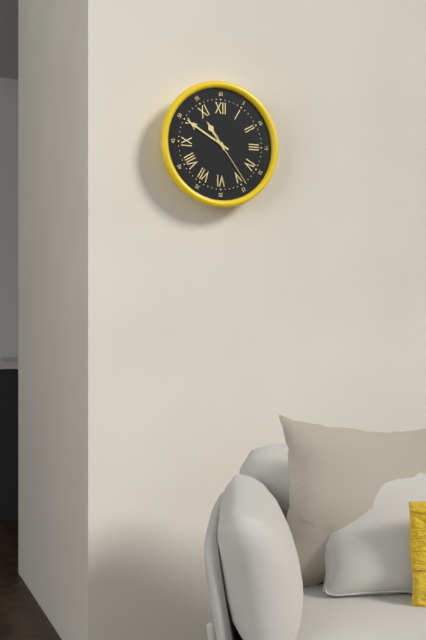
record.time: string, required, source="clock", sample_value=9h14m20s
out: 10h50m24s
